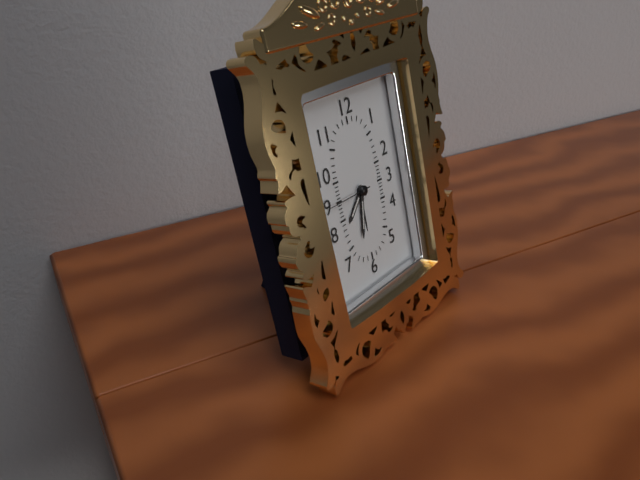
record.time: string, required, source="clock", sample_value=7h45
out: 7h32
